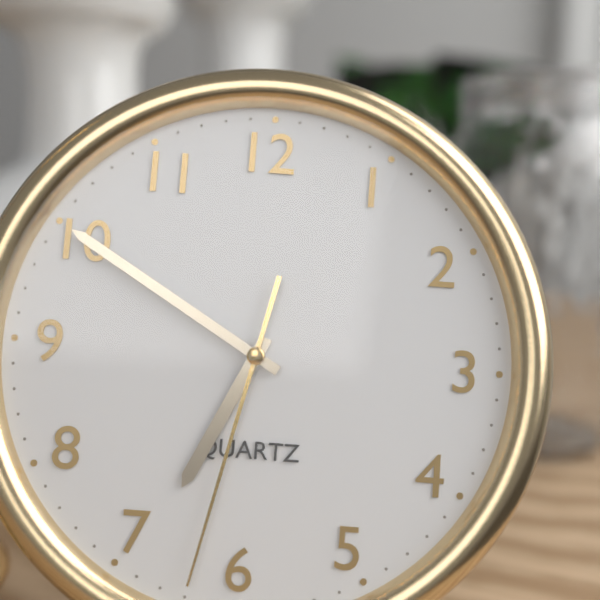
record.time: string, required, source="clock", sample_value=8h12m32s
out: 6h50m32s
